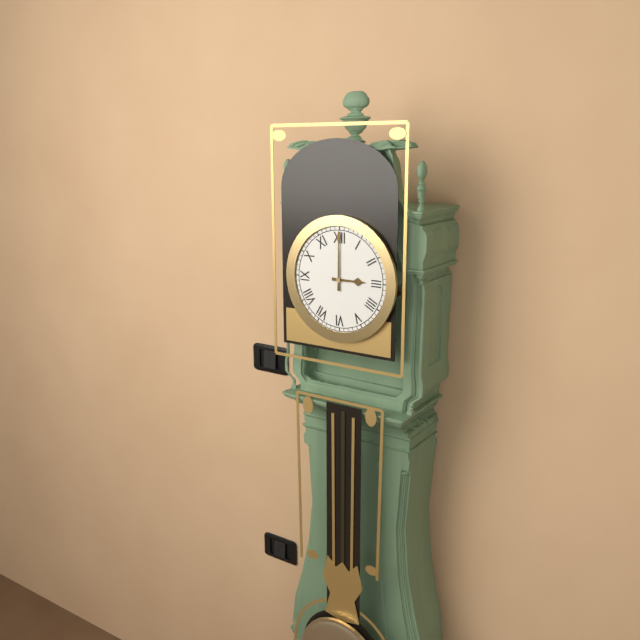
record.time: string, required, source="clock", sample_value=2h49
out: 3h00
